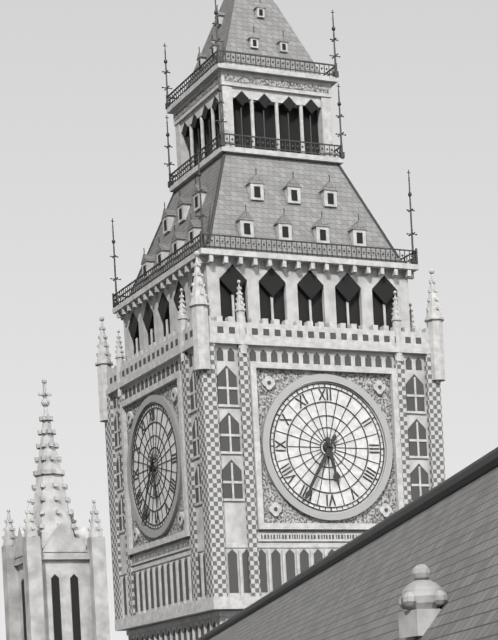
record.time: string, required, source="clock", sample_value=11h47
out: 5h35
